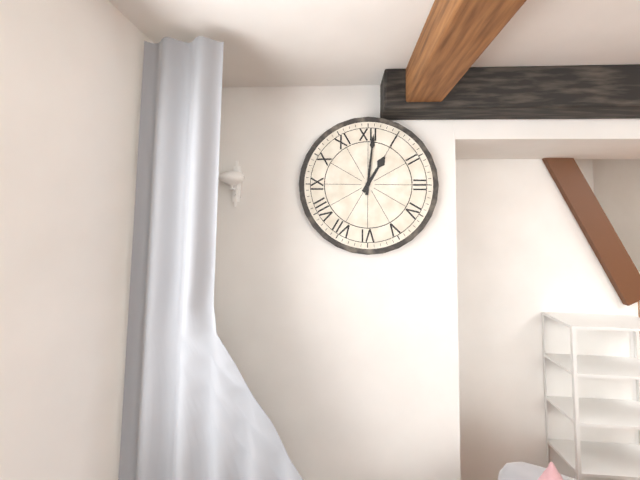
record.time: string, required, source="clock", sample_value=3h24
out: 1h01
